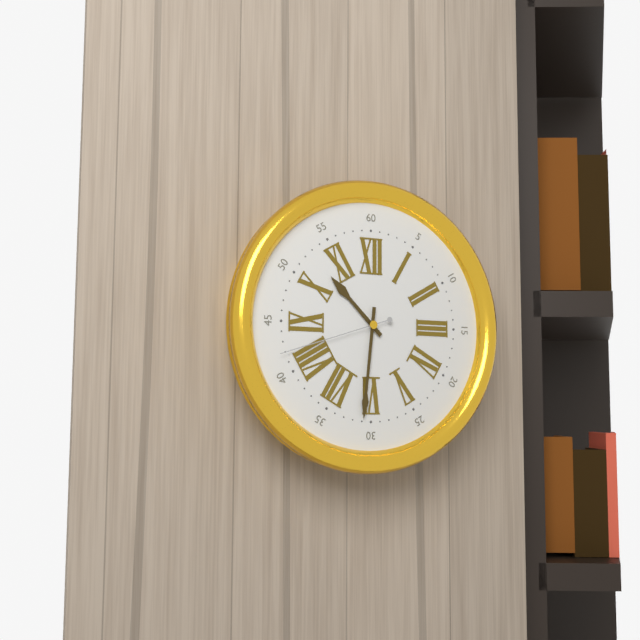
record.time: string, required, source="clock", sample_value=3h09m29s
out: 10h31m42s
